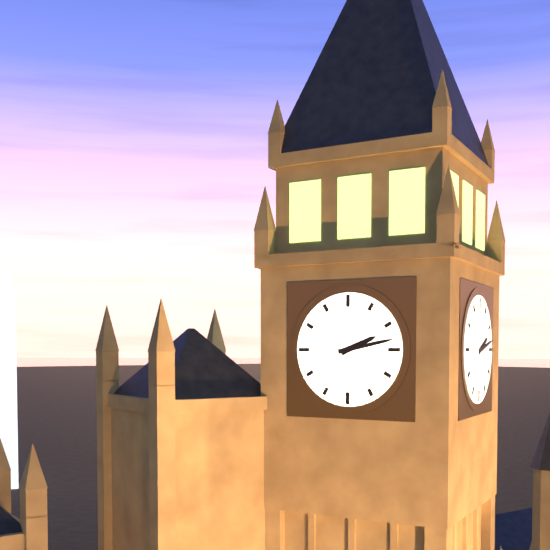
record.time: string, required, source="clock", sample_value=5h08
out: 2h13
